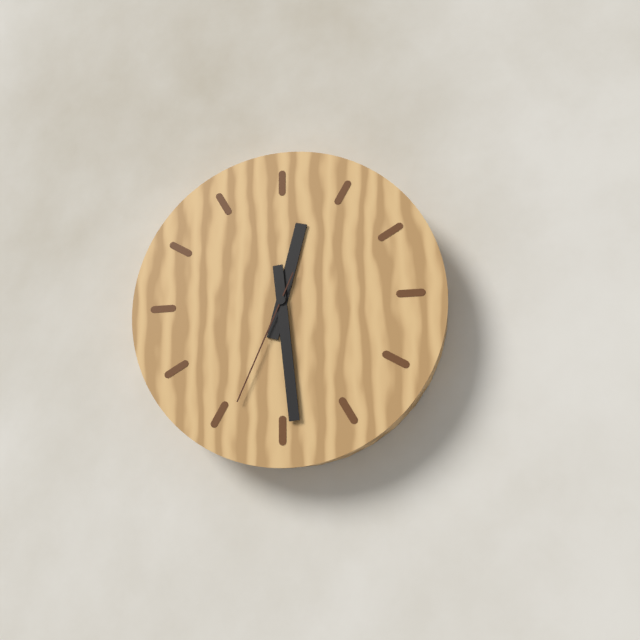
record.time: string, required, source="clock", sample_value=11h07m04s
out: 12h29m34s
